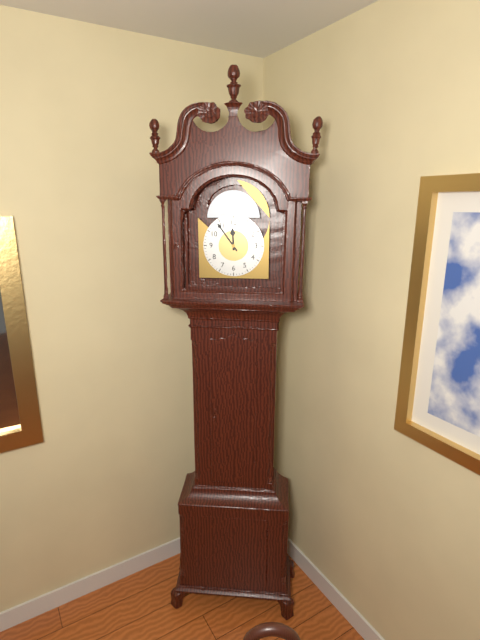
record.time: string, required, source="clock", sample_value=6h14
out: 11h54
